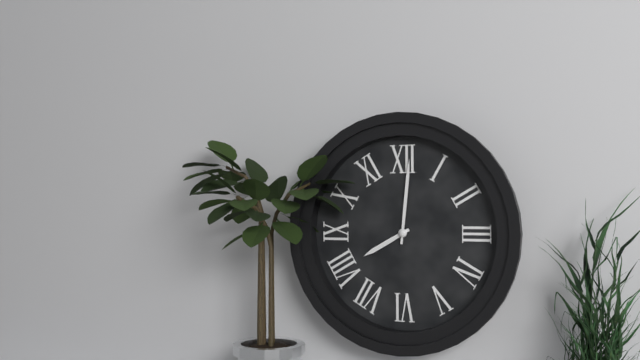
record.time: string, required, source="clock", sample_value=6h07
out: 8h01
